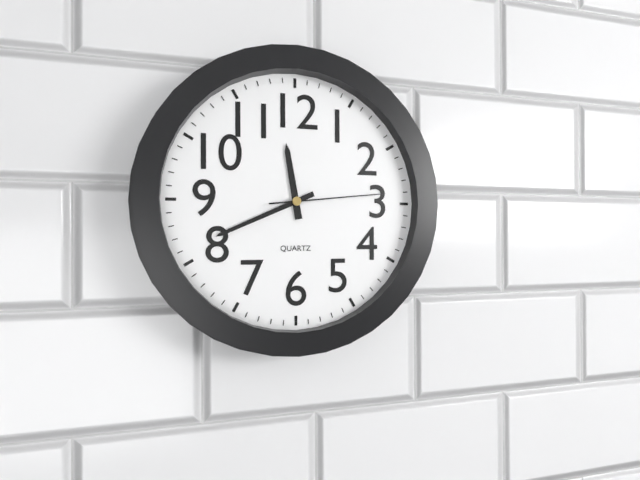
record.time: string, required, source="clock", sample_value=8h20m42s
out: 11h41m14s
